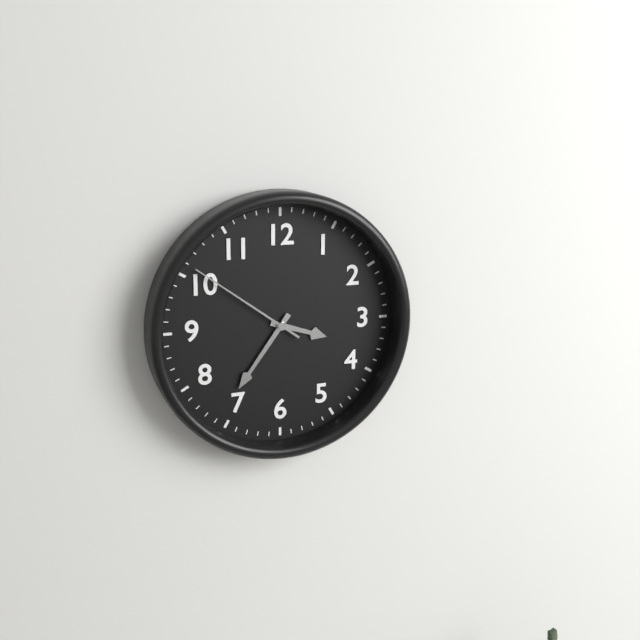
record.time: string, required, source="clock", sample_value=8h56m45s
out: 3h36m51s
